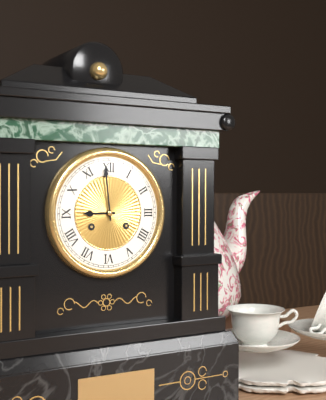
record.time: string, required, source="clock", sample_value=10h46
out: 8h59
